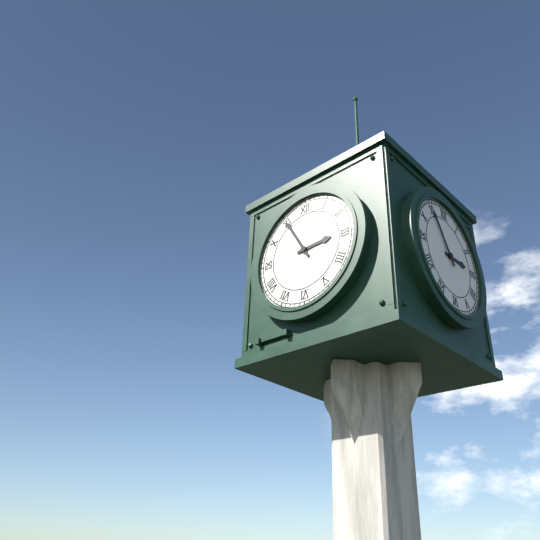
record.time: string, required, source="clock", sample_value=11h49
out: 2h55
